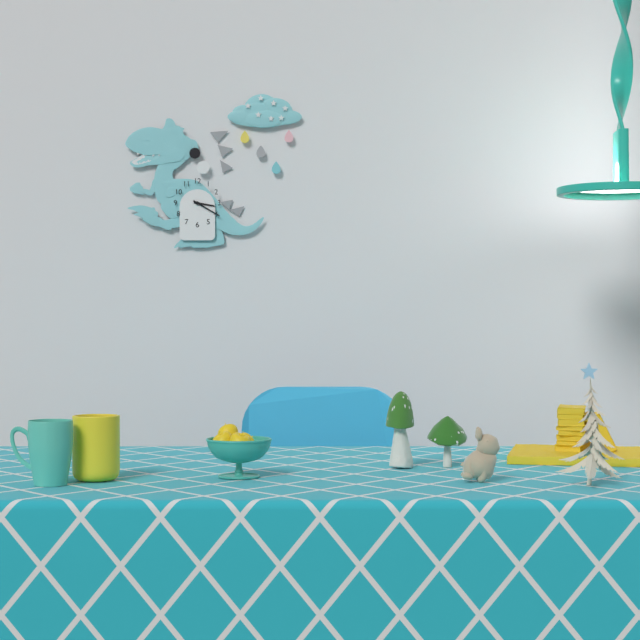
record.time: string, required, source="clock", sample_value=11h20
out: 3h20
